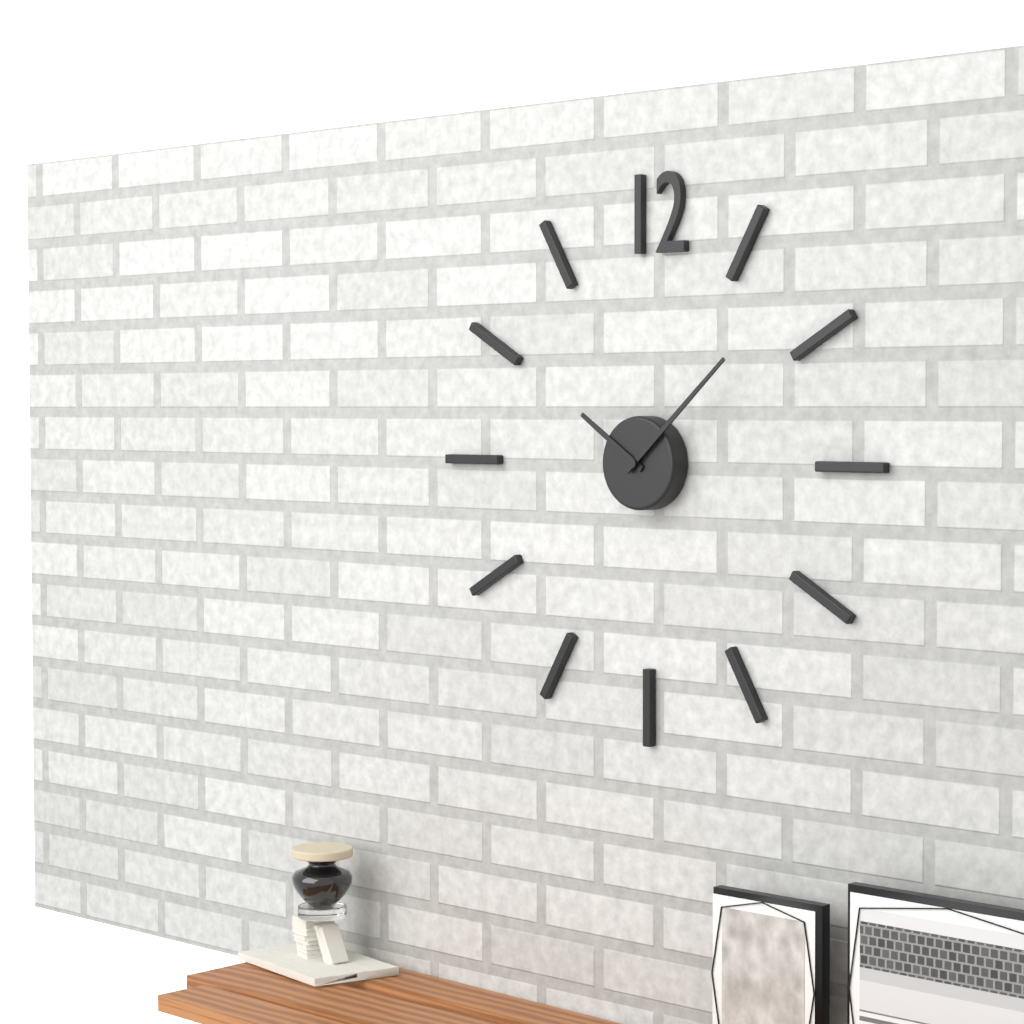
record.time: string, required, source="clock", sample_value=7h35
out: 10h08
